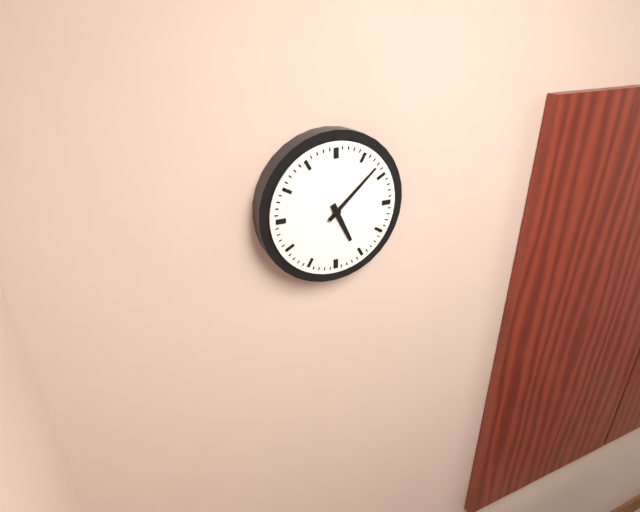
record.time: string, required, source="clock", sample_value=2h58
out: 5h08
